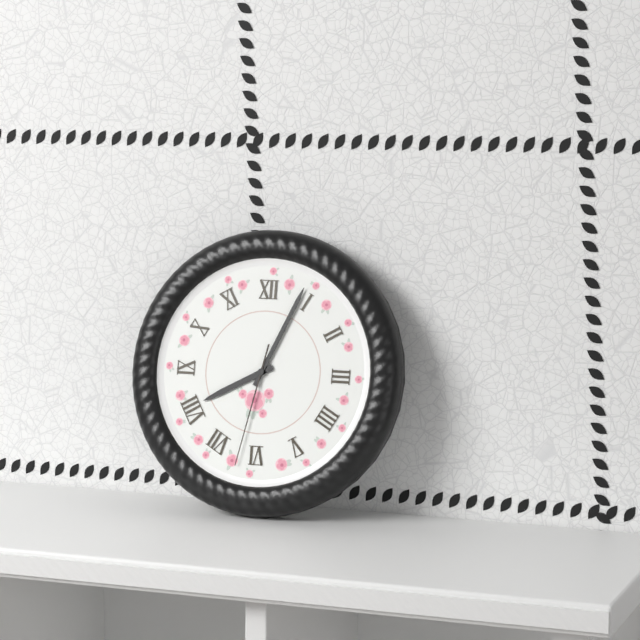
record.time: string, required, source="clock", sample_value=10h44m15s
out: 8h04m32s
